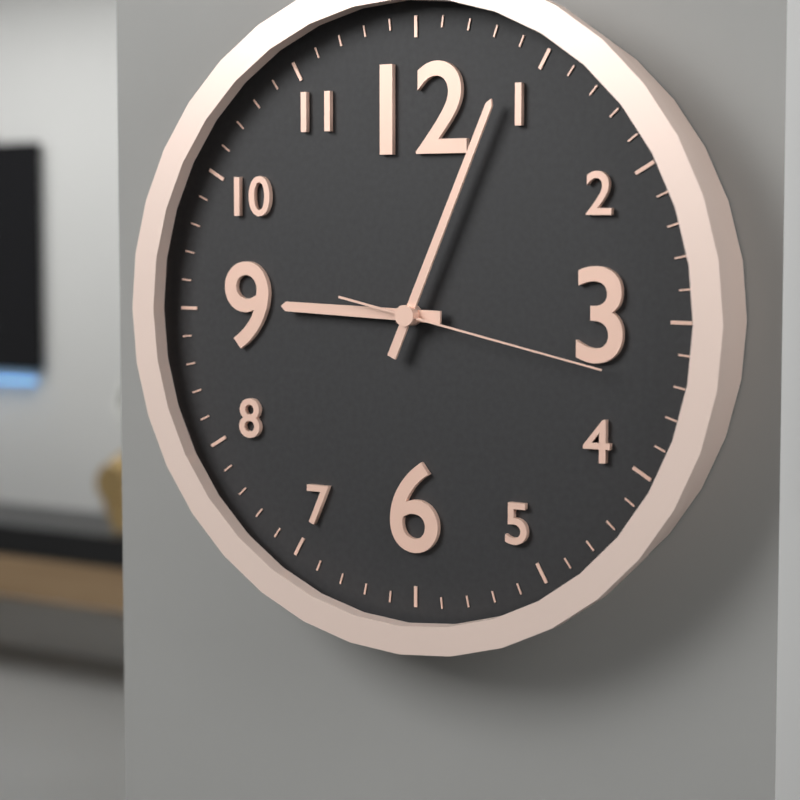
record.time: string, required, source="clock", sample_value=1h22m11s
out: 9h04m17s
